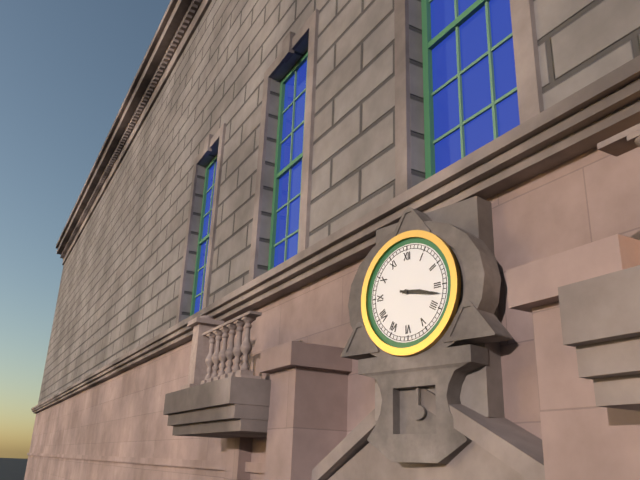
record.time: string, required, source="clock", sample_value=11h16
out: 3h17
